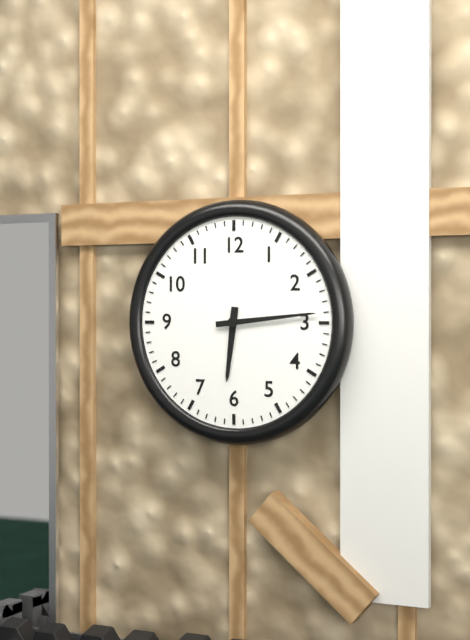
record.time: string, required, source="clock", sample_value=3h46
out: 6h14
